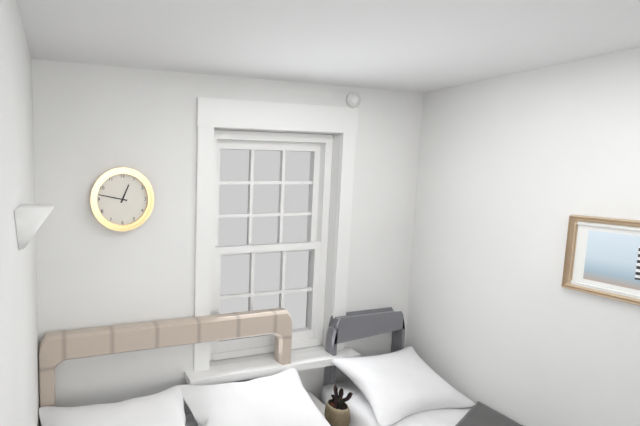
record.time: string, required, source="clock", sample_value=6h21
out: 12h47
